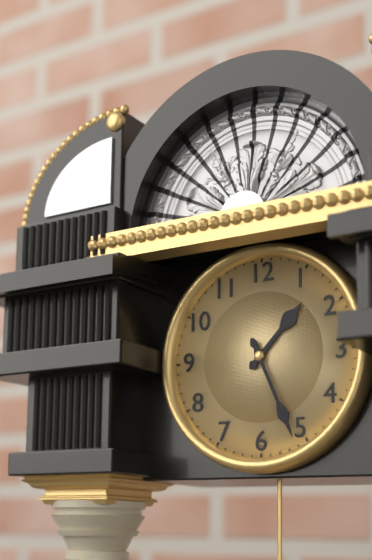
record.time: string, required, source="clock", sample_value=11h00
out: 1h26
